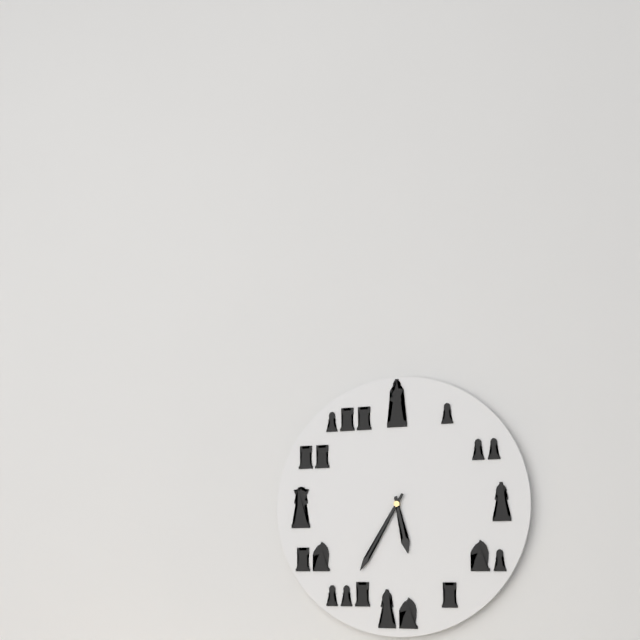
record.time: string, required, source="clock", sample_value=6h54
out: 5h35
